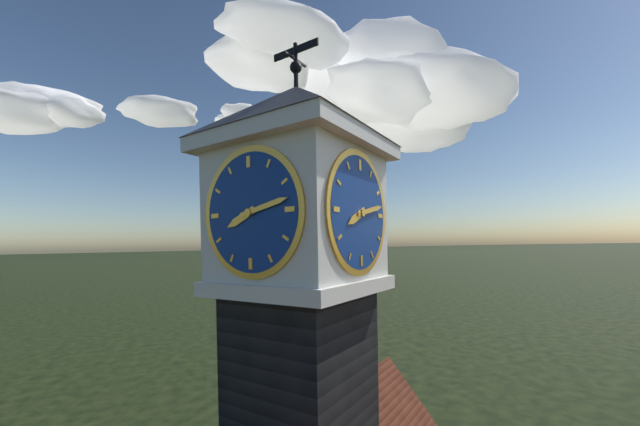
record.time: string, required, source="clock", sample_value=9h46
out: 8h13
